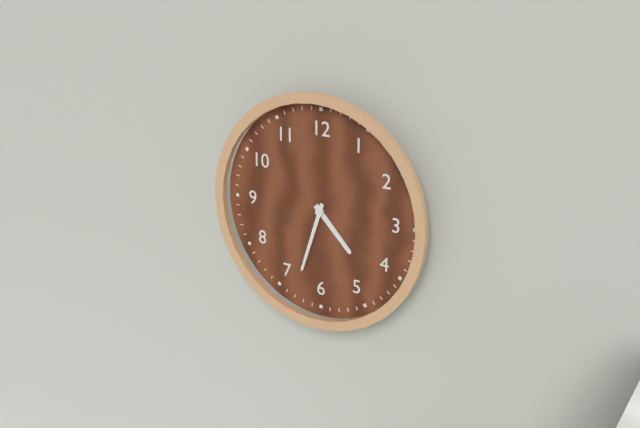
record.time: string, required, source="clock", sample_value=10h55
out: 4h33
